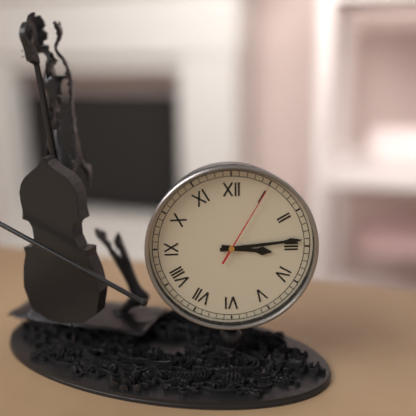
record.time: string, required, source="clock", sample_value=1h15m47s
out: 3h14m05s
